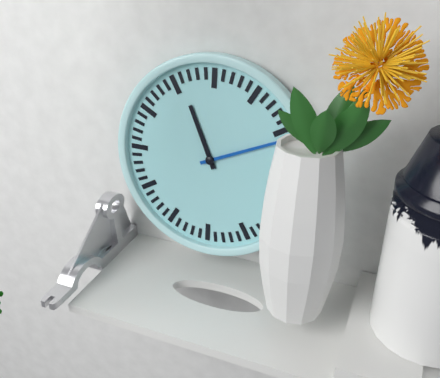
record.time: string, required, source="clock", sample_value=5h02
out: 11h11
